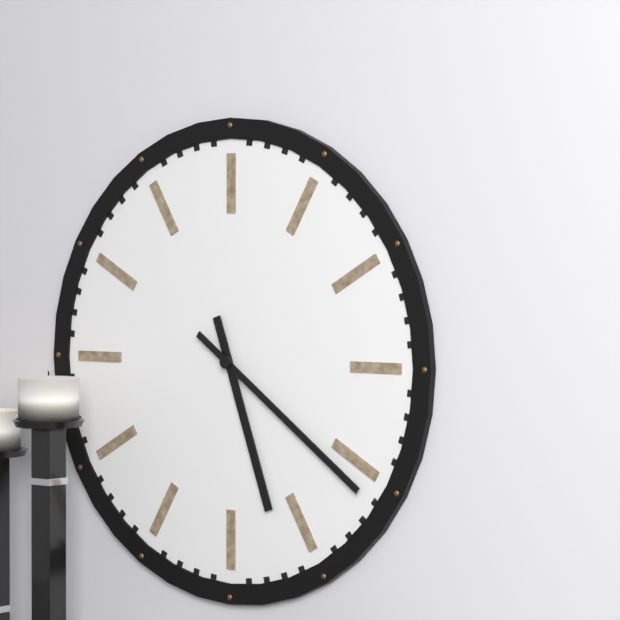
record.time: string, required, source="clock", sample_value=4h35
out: 5h21
